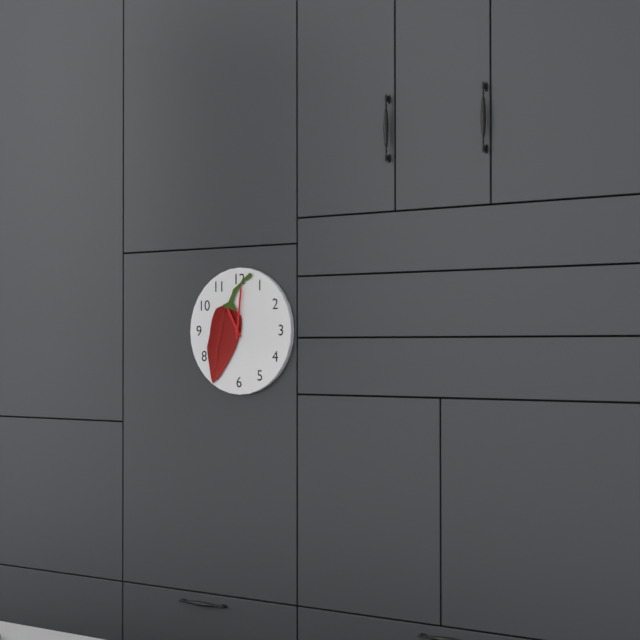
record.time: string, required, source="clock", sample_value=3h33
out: 11h01
